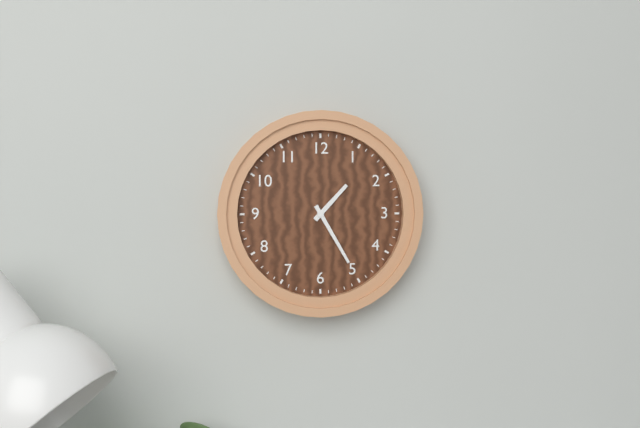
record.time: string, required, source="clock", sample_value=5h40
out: 1h25
